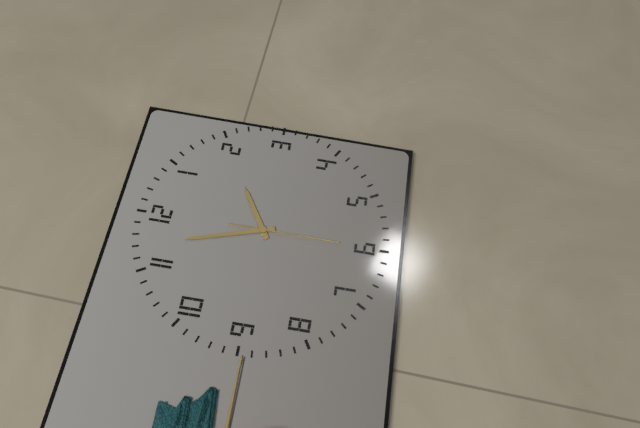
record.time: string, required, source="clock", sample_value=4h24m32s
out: 1h57m30s
